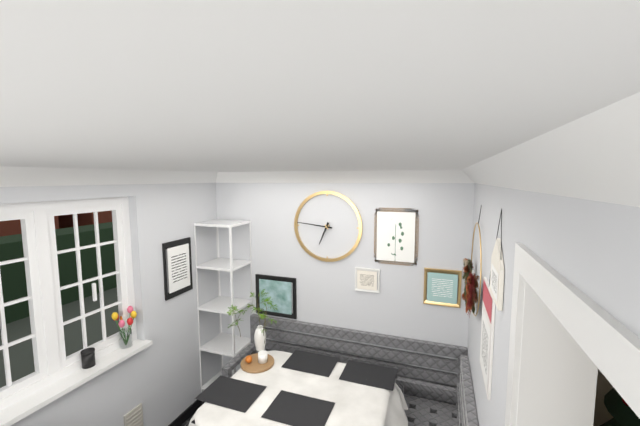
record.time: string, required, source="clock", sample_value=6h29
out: 6h46
